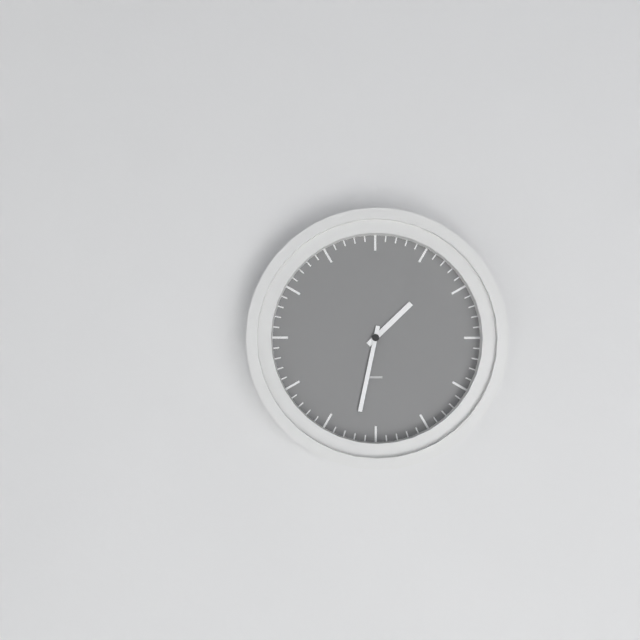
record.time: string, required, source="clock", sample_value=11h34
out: 1h32
